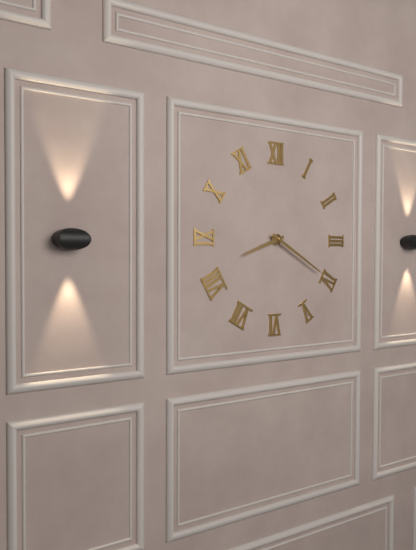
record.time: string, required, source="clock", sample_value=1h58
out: 8h20
